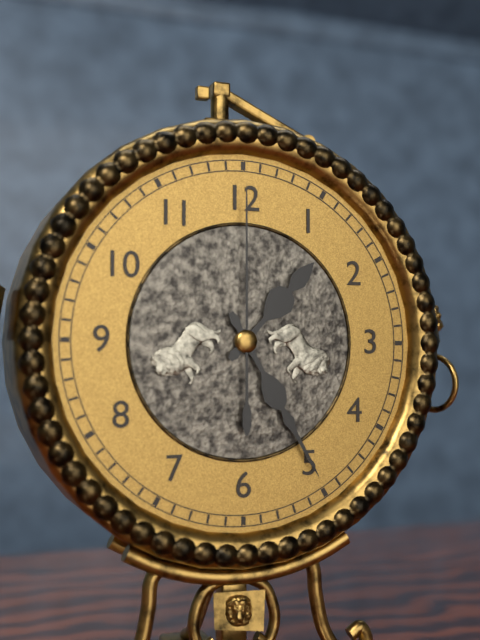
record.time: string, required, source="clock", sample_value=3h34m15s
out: 1h25m00s
